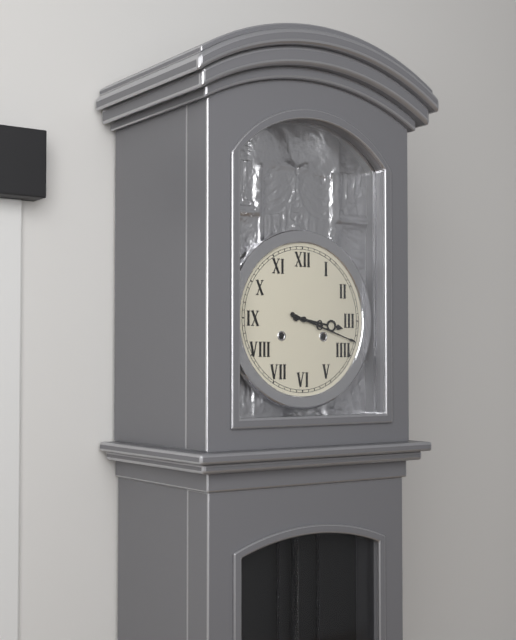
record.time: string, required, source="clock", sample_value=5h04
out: 3h18
